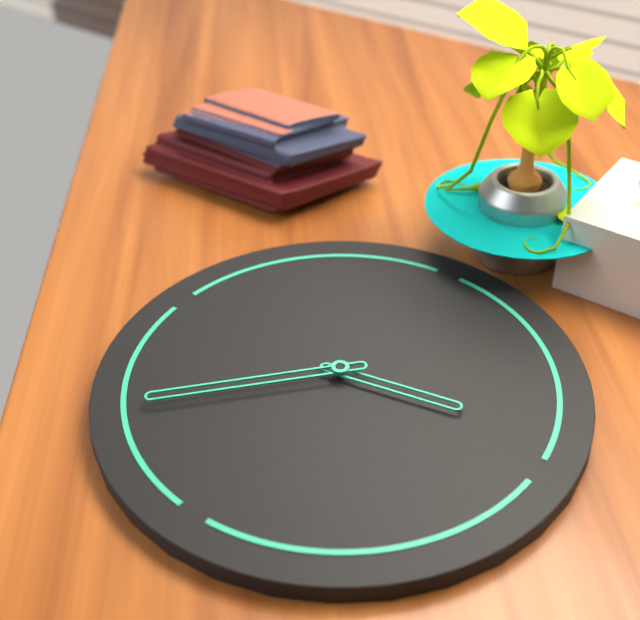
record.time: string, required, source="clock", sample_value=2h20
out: 2h37
